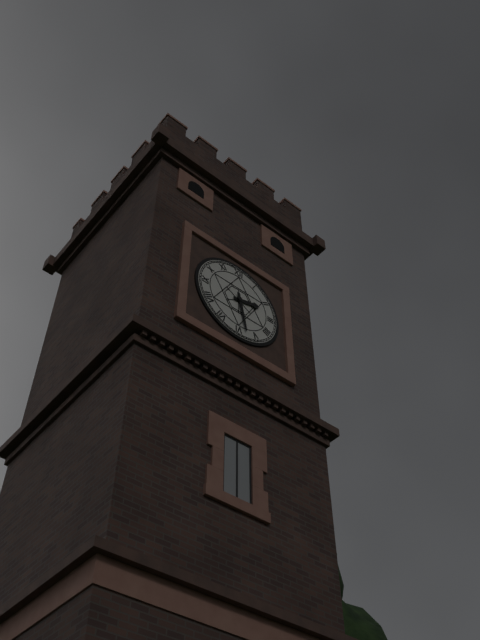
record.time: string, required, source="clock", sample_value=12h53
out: 2h28
